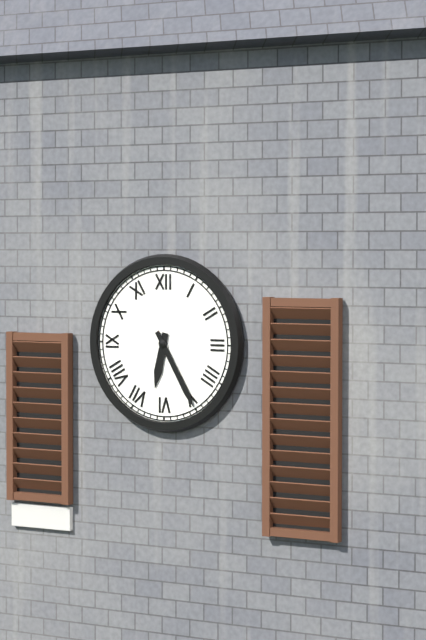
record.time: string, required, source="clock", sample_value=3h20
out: 6h25
